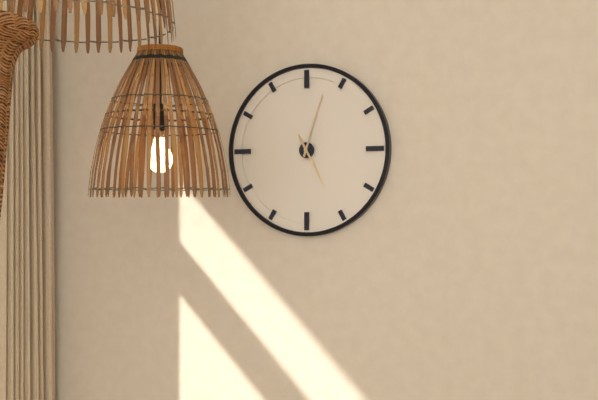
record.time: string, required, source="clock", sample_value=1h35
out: 5h03
